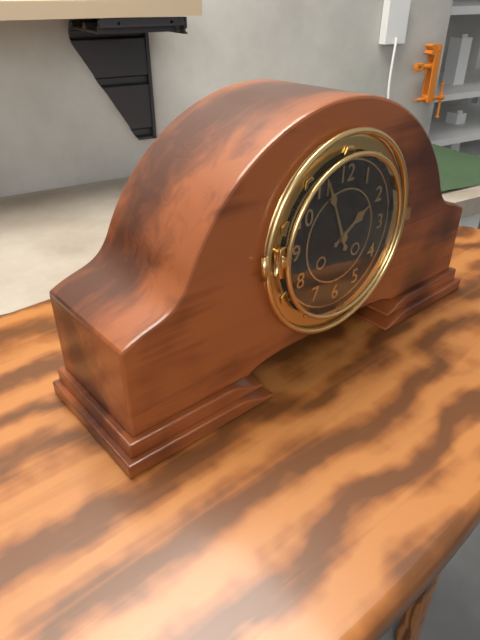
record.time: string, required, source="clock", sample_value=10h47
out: 1h56
